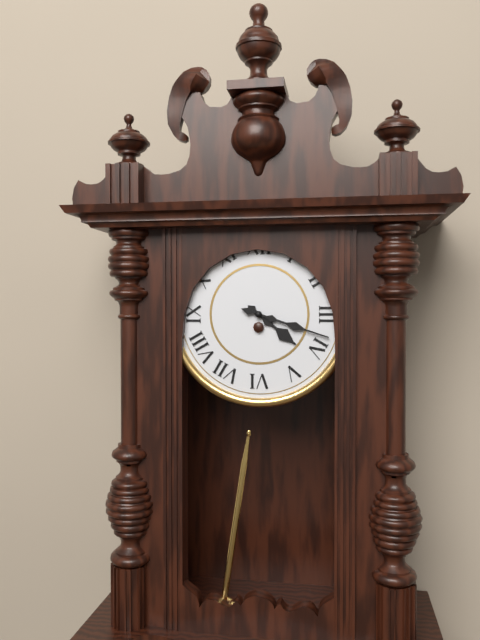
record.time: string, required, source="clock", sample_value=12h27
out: 4h18
